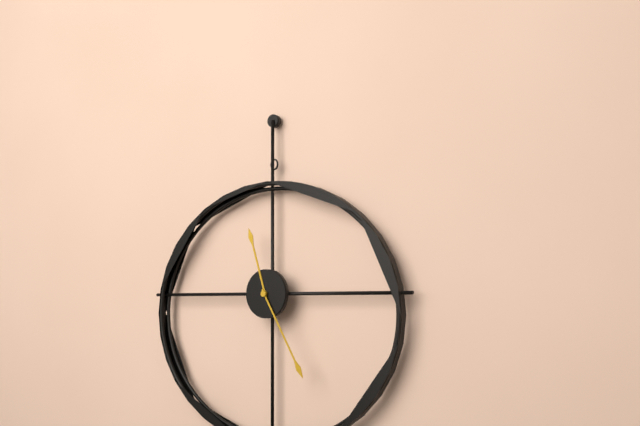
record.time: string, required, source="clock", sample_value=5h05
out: 11h25
